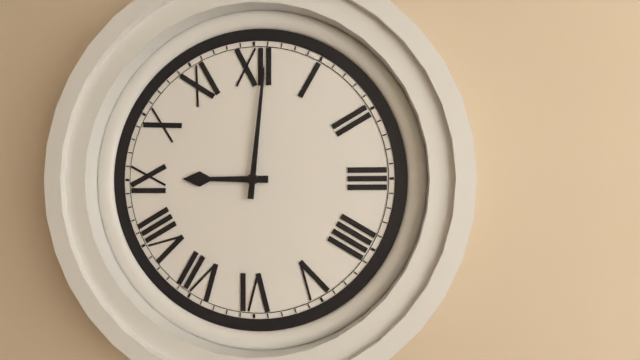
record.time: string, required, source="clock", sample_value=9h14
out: 9h01
